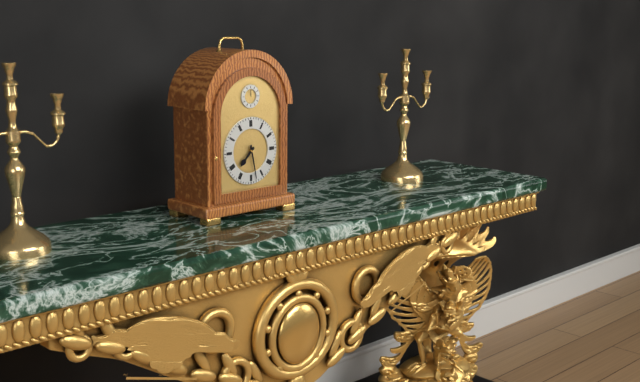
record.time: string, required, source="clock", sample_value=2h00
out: 7h28
